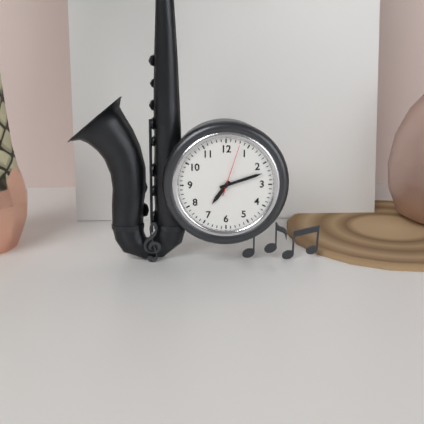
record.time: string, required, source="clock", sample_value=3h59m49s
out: 7h12m03s
